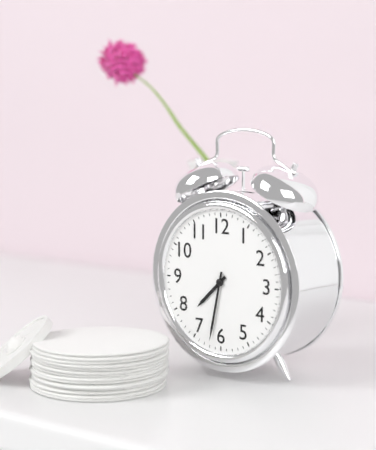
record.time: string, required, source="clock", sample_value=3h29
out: 7h32
